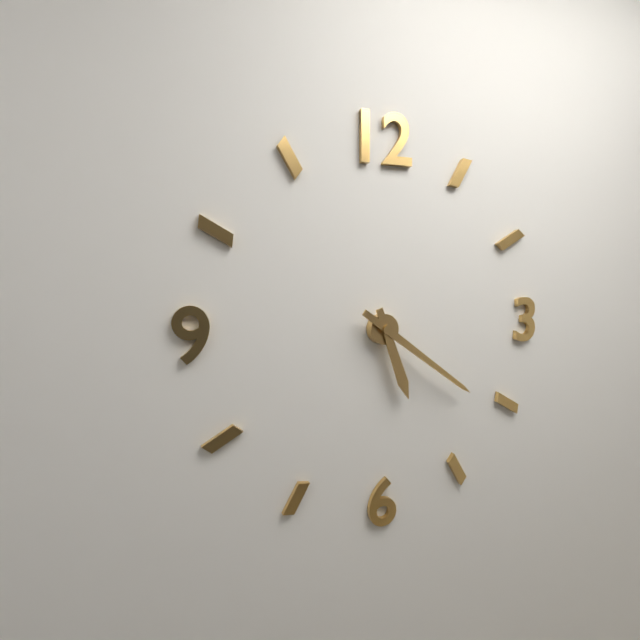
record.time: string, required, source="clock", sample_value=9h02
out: 5h21
